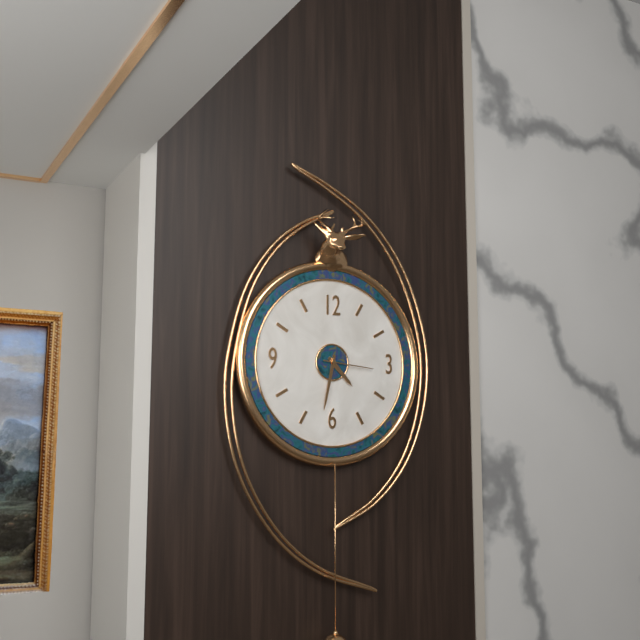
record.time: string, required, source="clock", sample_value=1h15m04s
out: 4h32m16s
